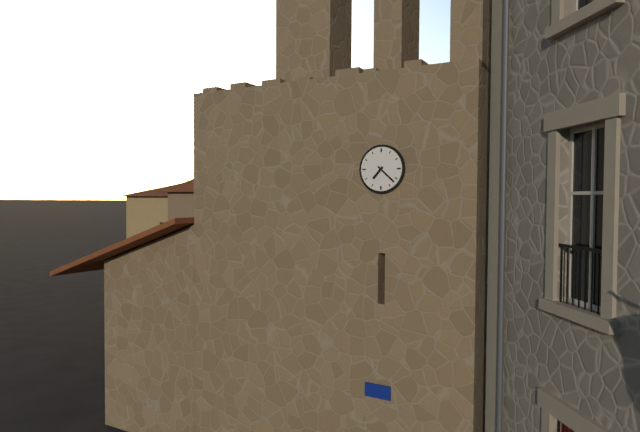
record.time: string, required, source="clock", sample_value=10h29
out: 7h22
